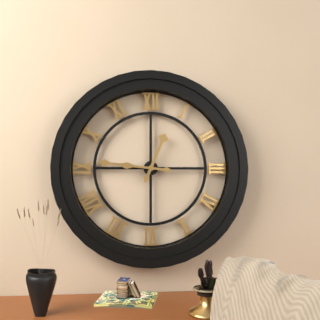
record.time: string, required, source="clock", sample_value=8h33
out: 12h46
